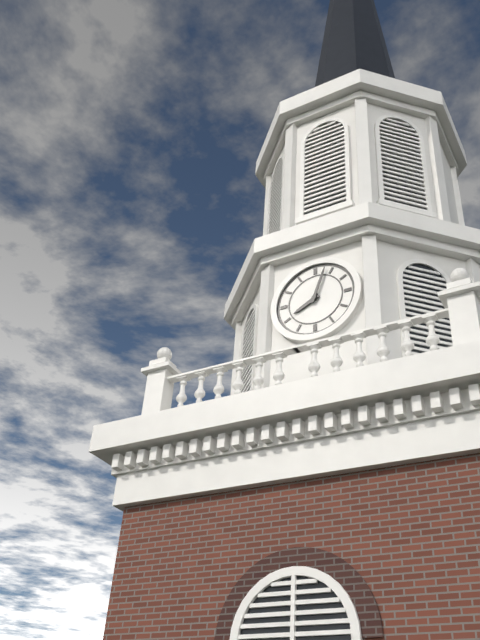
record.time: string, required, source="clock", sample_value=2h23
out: 8h03
